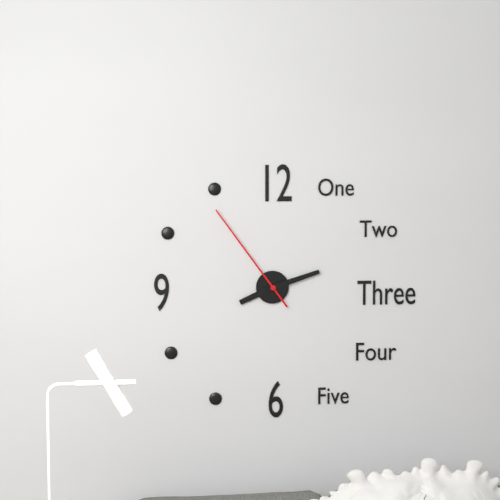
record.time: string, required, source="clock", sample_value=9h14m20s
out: 8h12m54s
